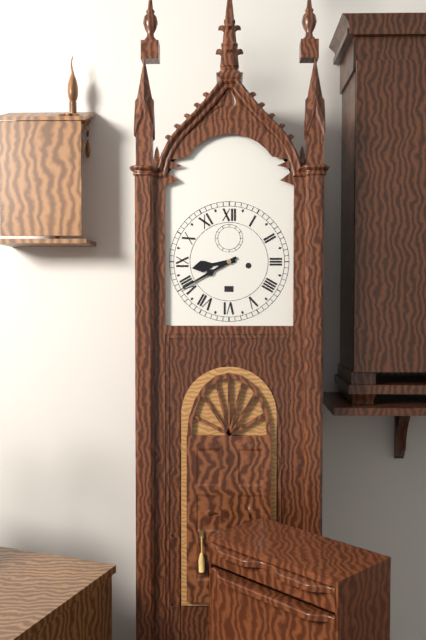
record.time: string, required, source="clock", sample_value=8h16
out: 8h40
